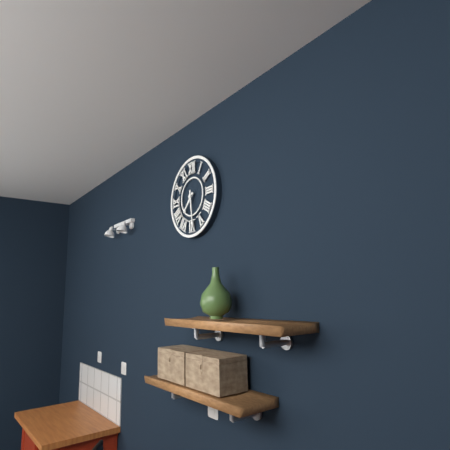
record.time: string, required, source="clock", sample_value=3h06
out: 7h29
